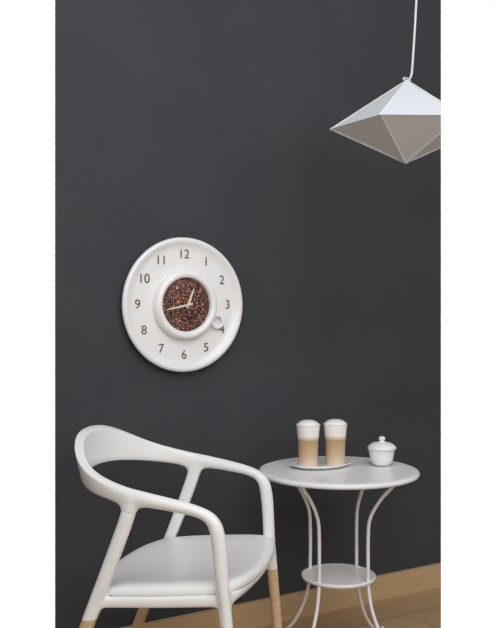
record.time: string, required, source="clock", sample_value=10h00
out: 12h43
